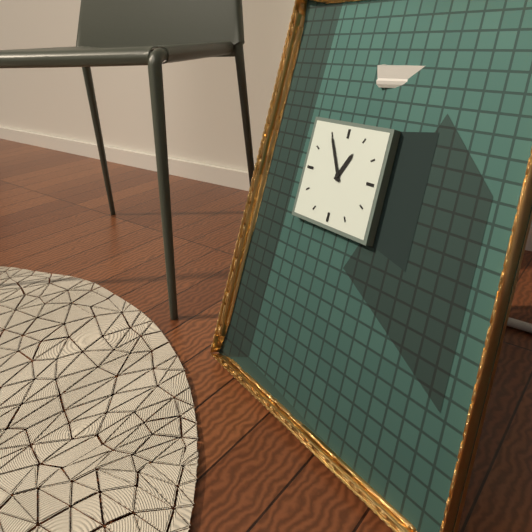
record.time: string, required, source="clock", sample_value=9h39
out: 12h55
